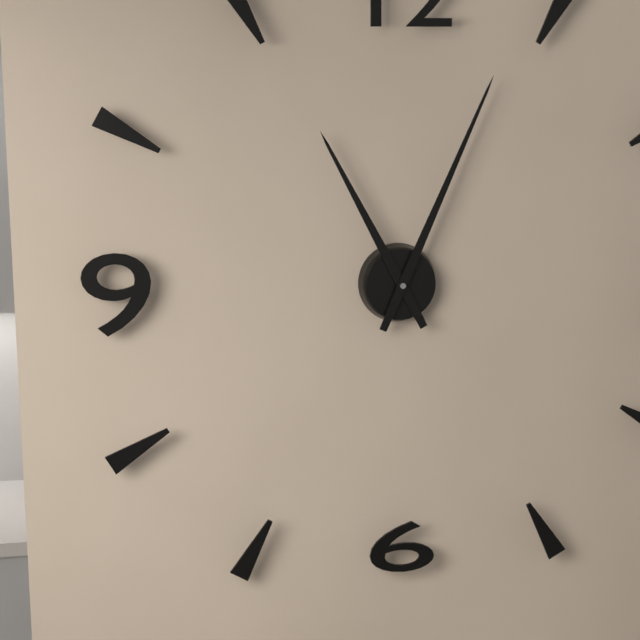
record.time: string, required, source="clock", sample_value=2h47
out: 11h04
